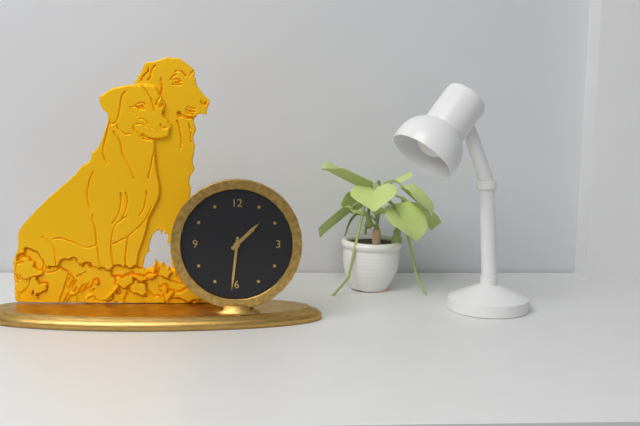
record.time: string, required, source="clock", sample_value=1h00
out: 1h31
